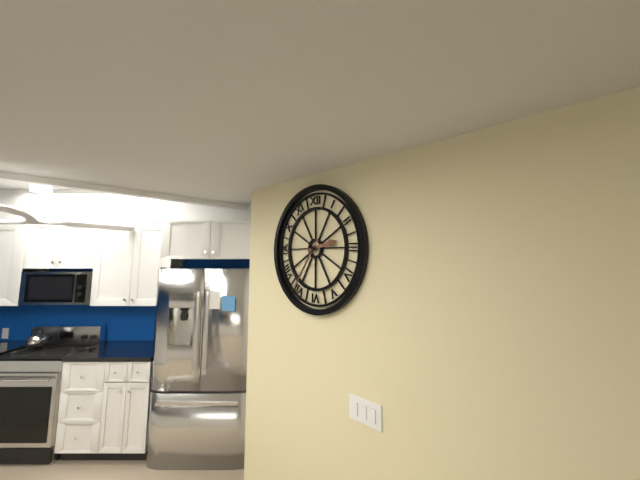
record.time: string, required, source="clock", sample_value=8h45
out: 2h36
